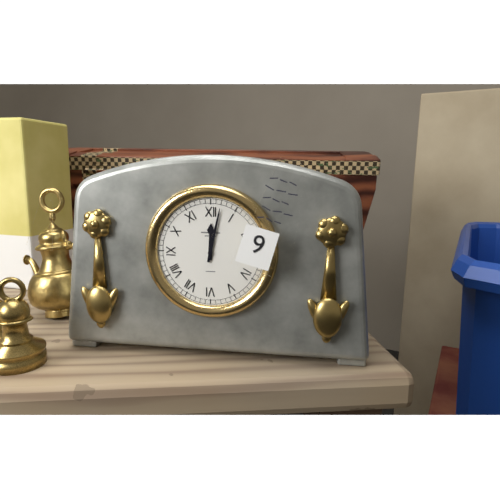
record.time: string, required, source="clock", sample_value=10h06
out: 12h02
